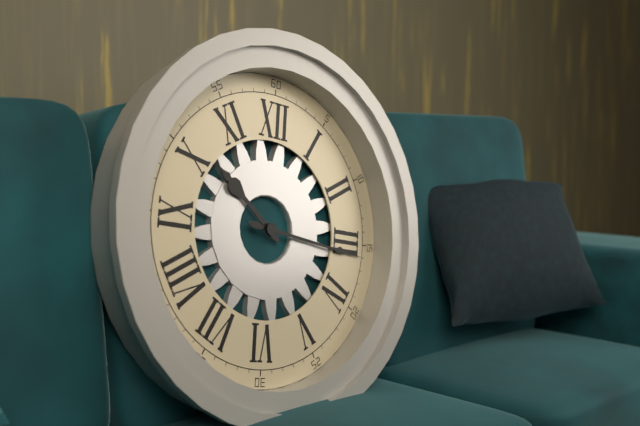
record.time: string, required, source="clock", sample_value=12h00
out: 10h16
